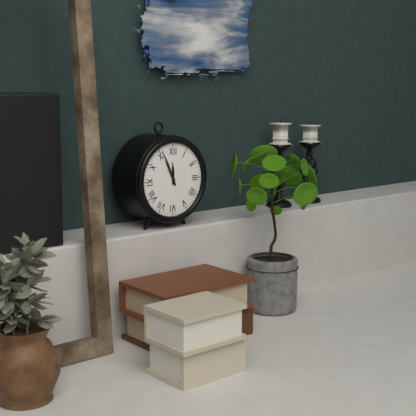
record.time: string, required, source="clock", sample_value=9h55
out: 11h56
